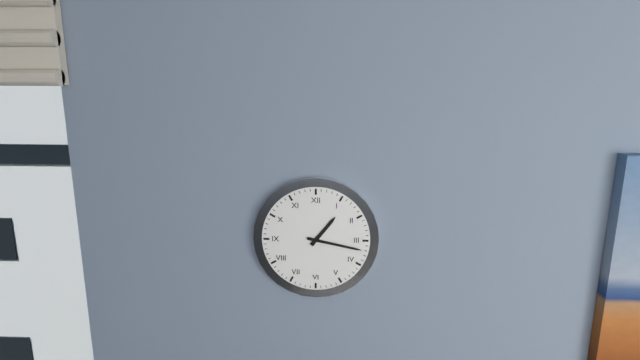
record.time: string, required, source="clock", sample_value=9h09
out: 1h17
